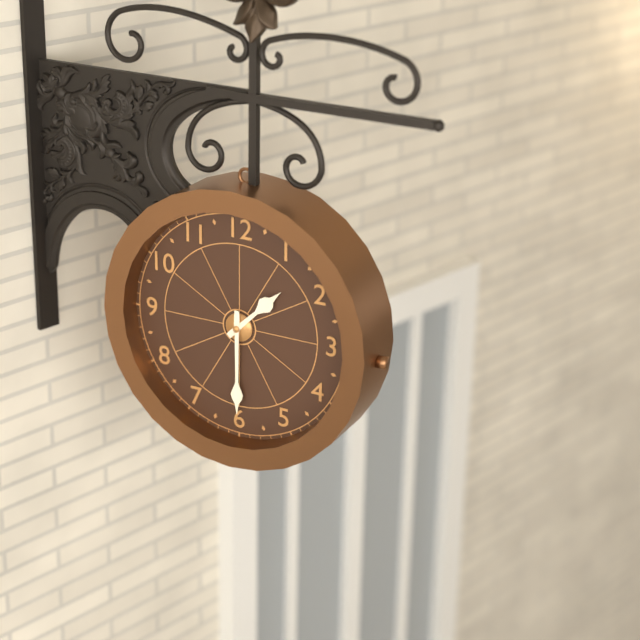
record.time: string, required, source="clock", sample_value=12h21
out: 1h30
